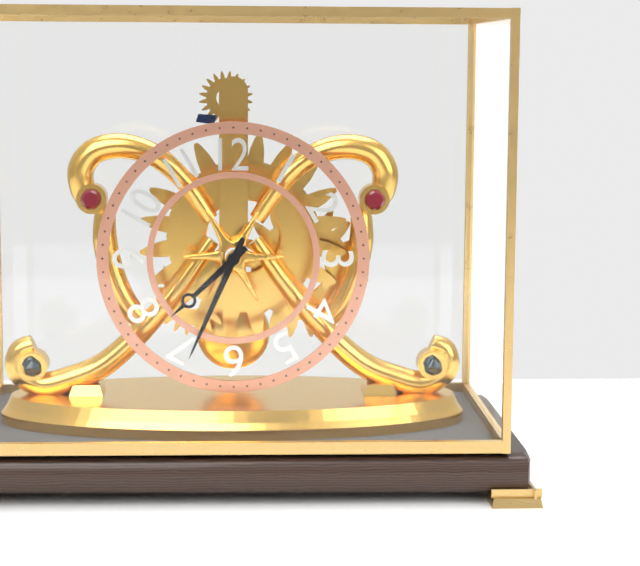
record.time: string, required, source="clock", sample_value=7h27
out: 7h34
